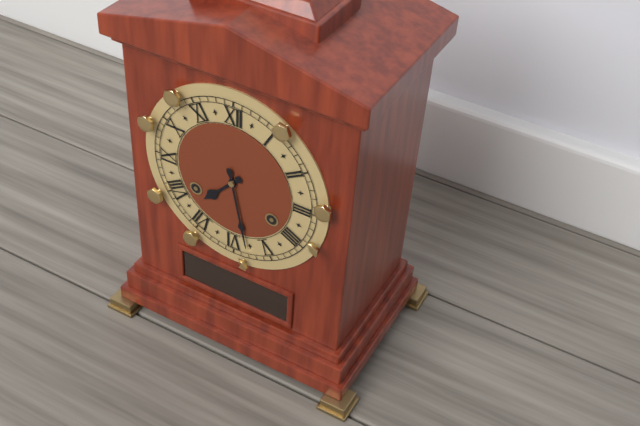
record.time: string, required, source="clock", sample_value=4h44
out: 7h28
